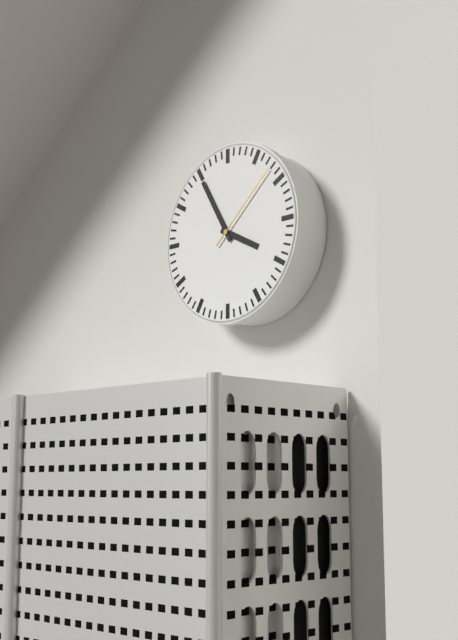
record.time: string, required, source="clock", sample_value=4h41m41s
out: 3h55m08s
